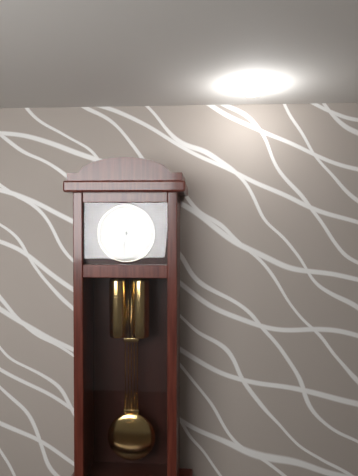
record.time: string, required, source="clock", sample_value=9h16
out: 6h22
